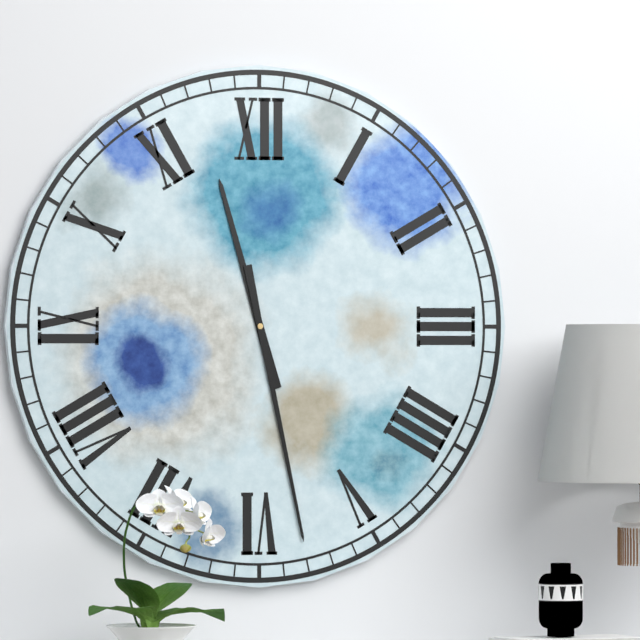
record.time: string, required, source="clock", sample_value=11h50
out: 11h28
